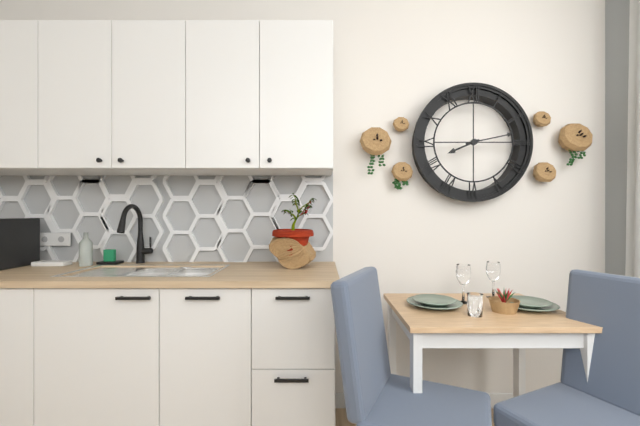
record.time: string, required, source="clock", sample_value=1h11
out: 8h13
